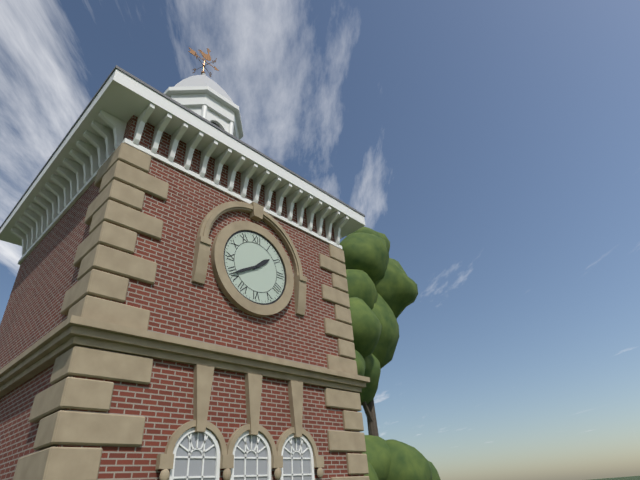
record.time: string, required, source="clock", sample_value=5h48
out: 1h40
